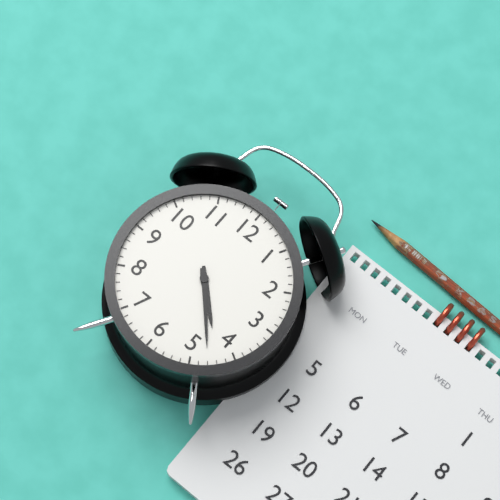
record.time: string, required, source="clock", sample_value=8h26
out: 4h23
